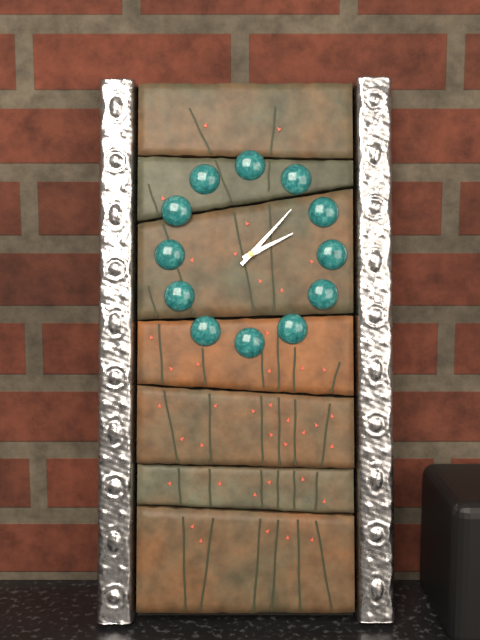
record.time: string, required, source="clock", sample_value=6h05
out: 2h07
